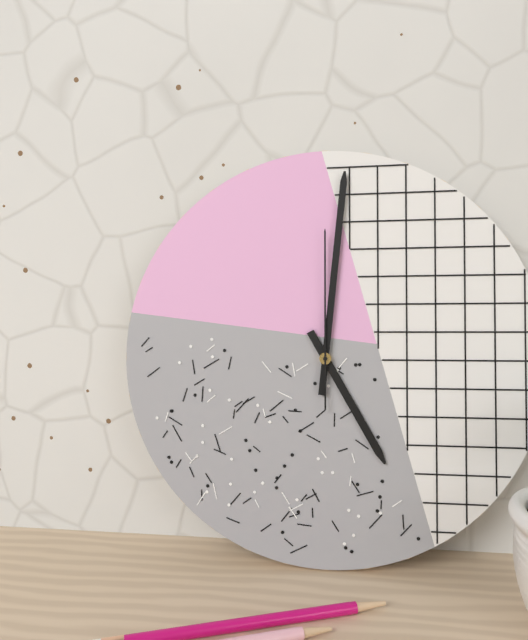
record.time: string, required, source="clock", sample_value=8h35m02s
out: 5h01m00s
